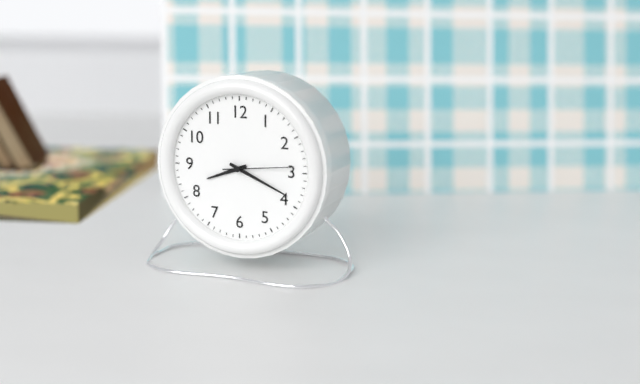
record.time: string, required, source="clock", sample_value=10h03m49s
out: 8h19m14s
